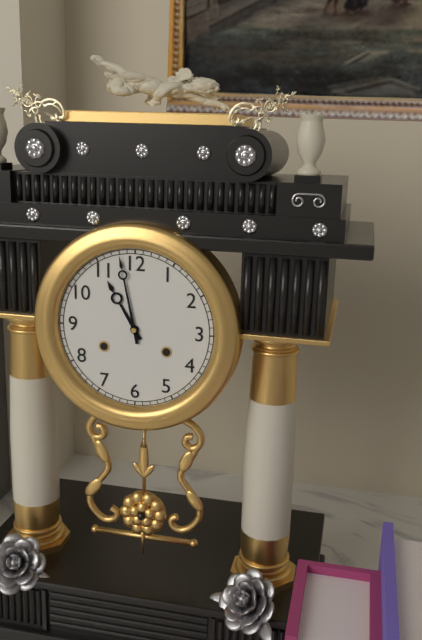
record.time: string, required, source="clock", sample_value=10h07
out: 10h58
